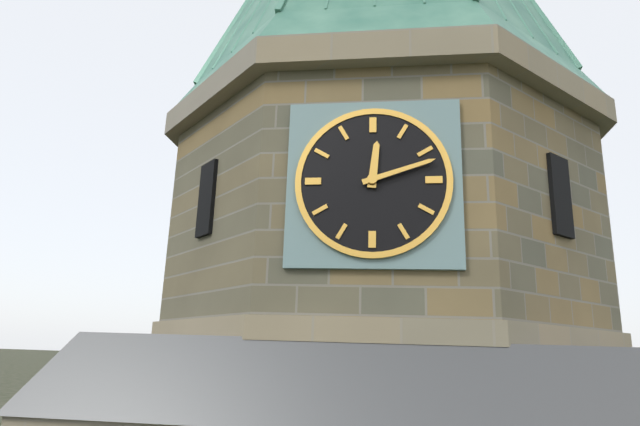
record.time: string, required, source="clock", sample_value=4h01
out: 12h12
